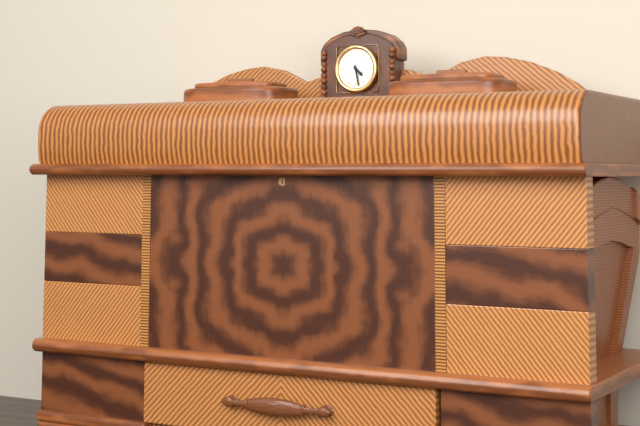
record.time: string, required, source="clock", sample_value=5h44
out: 4h28
